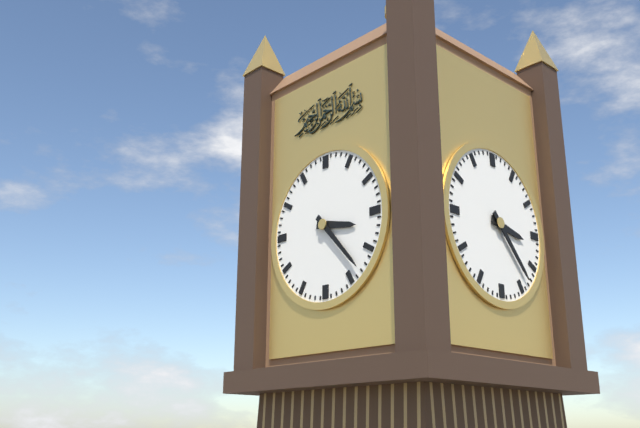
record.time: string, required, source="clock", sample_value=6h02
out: 3h23
